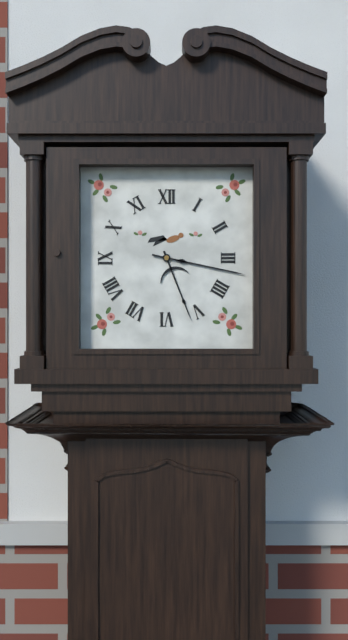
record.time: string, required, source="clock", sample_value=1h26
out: 5h17
